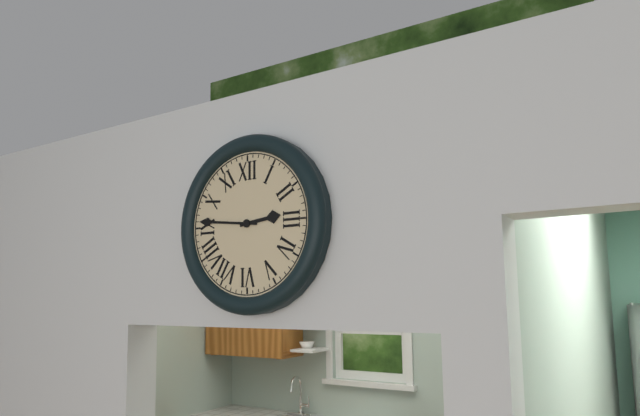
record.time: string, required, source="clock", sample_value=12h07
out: 2h46
